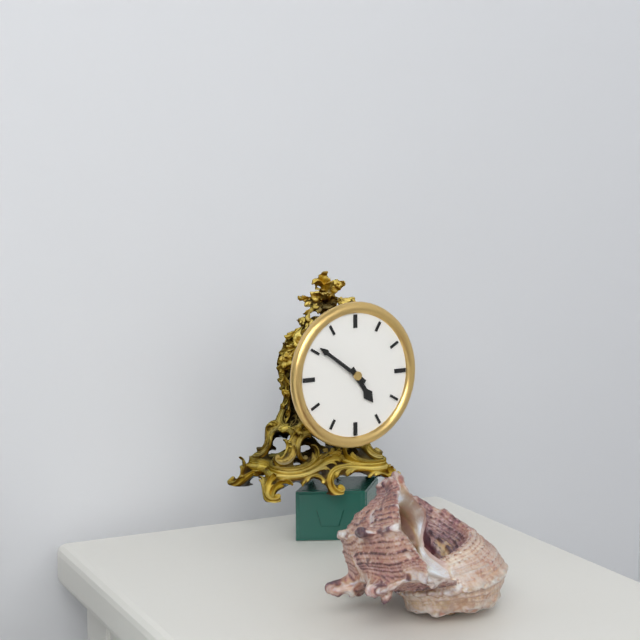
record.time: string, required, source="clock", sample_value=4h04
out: 4h51
